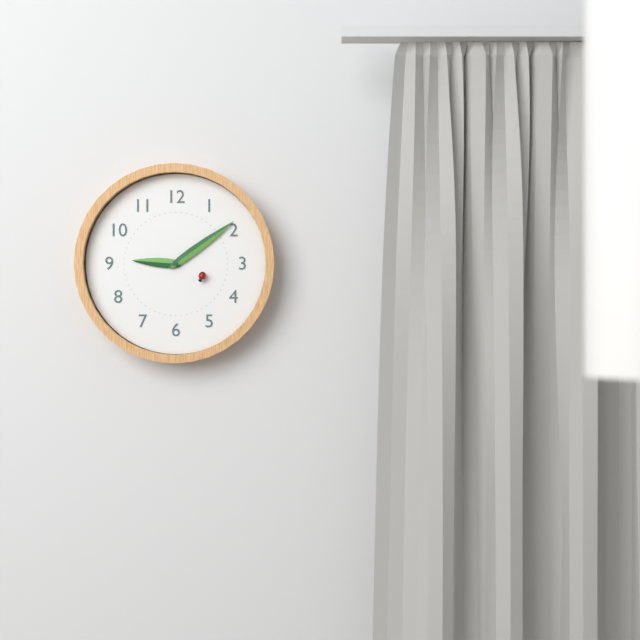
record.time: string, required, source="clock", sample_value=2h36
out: 9h09
